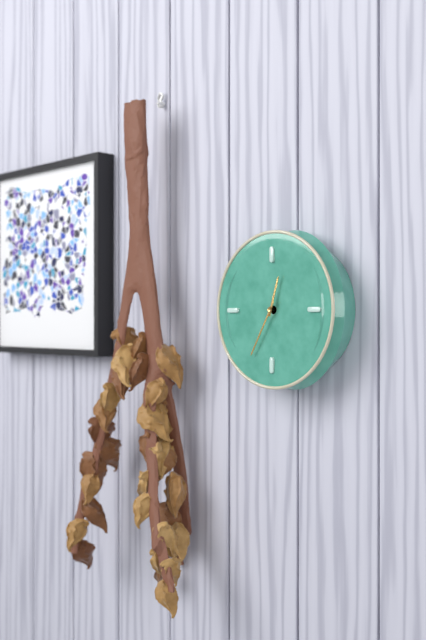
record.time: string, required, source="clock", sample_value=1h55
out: 12h35
